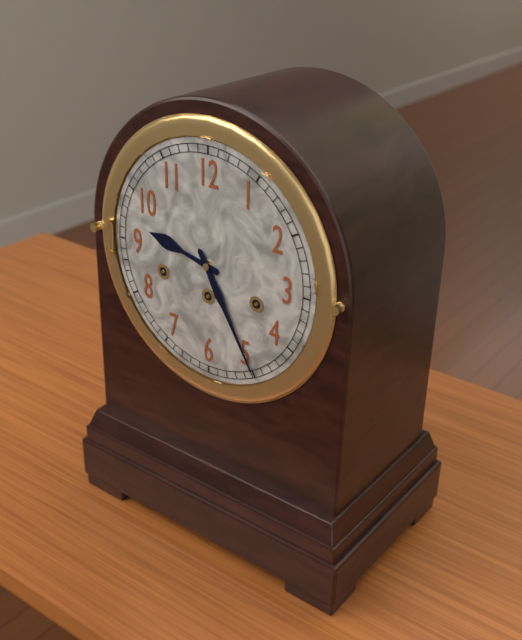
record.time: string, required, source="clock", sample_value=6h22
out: 9h25
